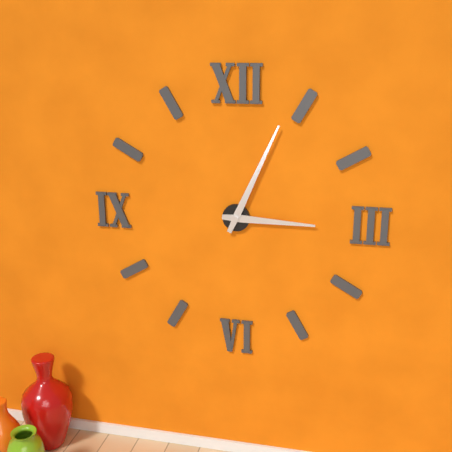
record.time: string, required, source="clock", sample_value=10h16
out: 3h04
